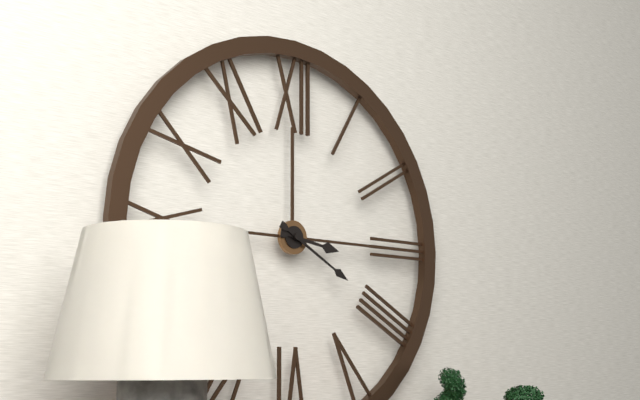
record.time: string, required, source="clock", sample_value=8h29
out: 3h20
